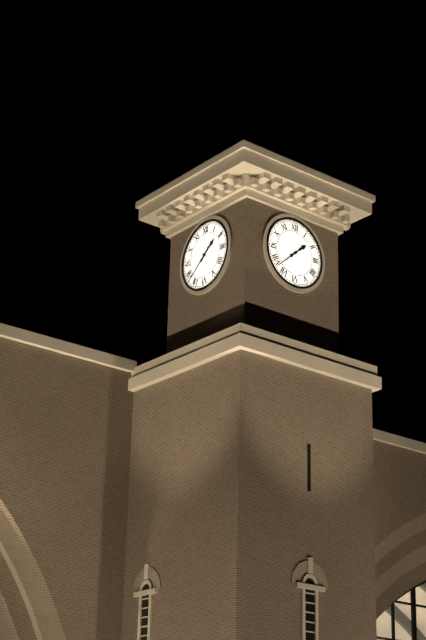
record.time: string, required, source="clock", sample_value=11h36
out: 1h38
